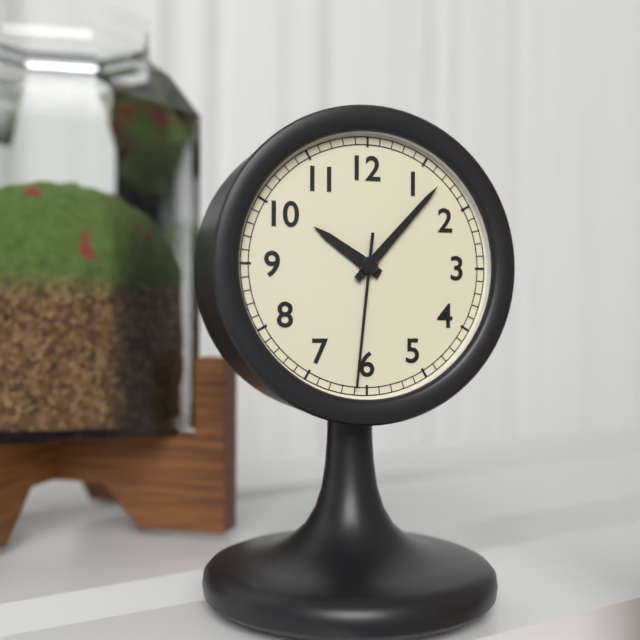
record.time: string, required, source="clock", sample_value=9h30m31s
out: 10h07m31s
